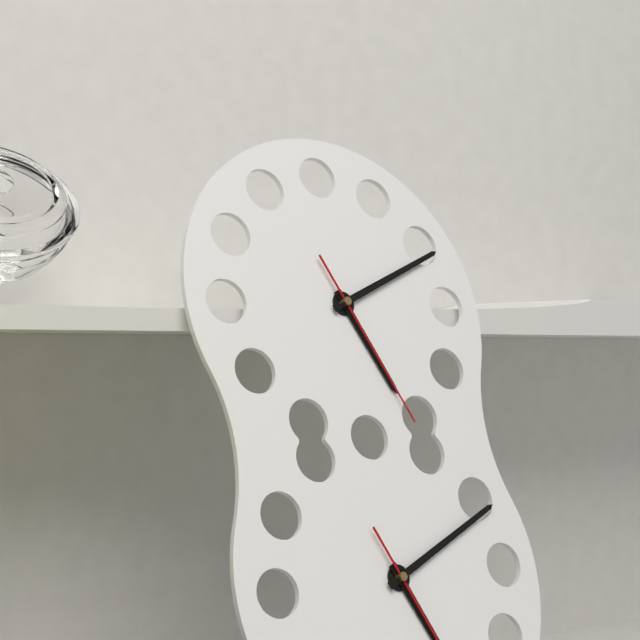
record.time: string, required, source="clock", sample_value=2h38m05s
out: 5h11m26s
